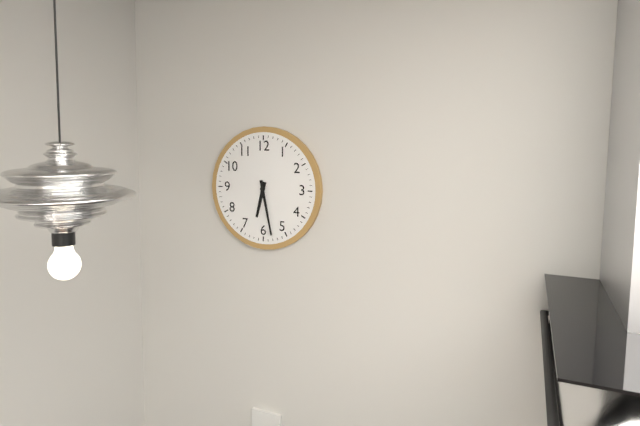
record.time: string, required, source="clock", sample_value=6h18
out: 6h28
